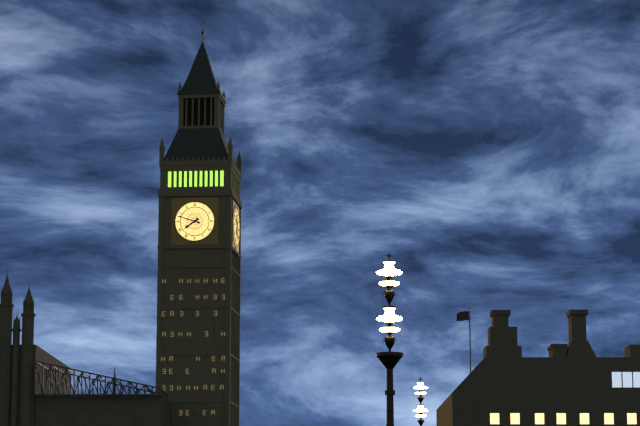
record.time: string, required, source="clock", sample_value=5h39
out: 7h48
